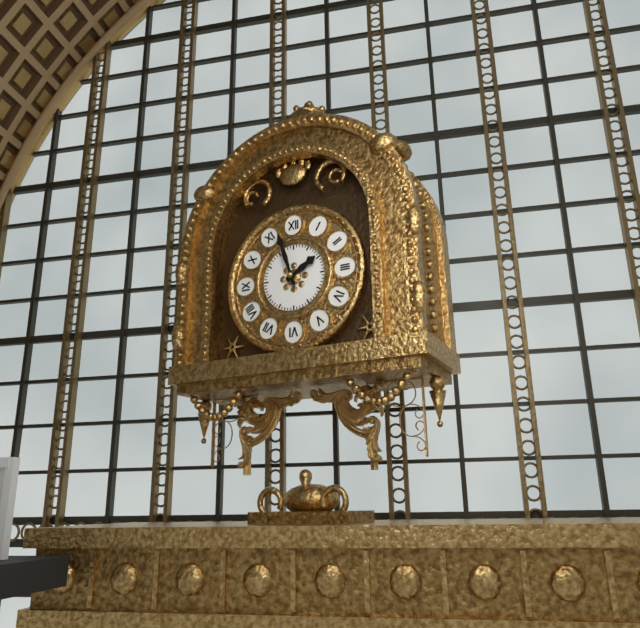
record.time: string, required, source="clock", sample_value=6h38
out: 1h57
